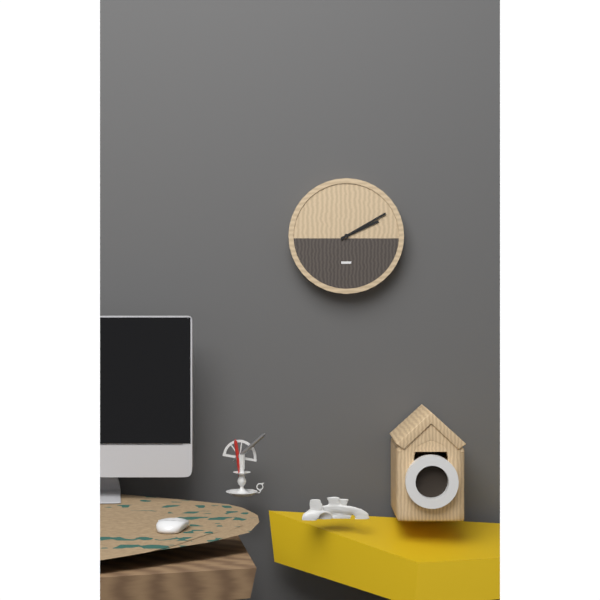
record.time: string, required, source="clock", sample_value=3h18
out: 2h10
